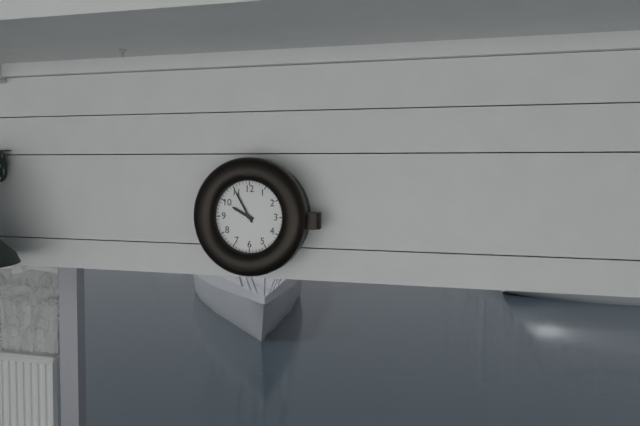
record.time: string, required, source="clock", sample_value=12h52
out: 9h55
